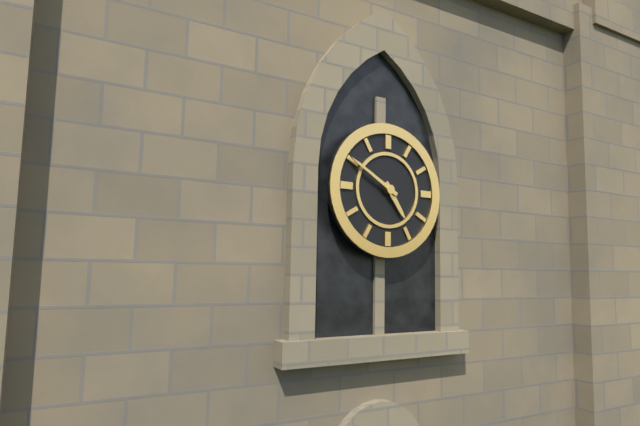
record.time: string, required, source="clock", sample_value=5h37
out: 4h50
